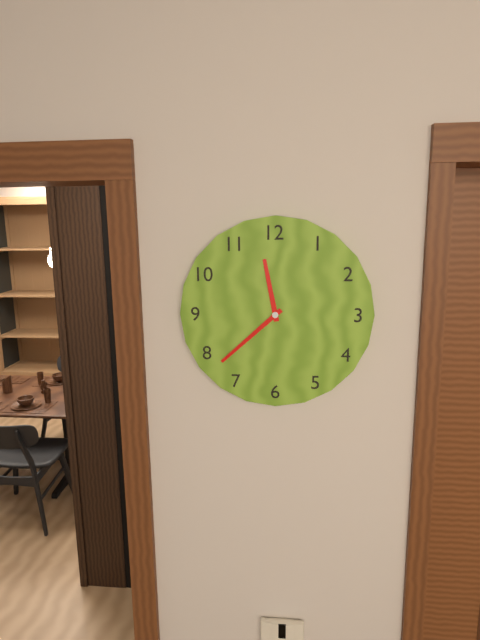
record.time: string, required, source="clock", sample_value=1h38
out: 11h38
